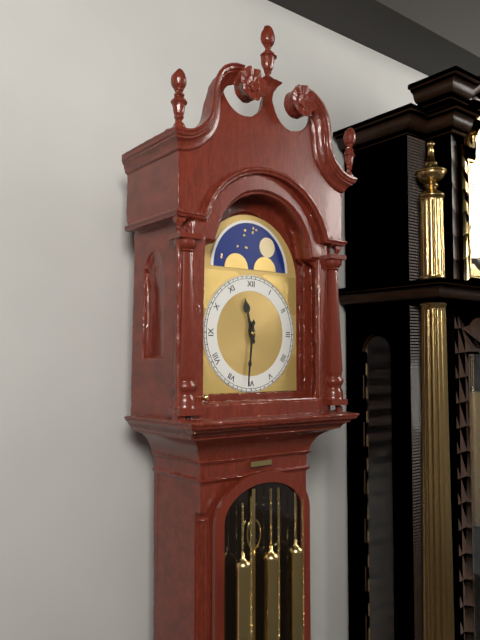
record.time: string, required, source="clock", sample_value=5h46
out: 11h31
